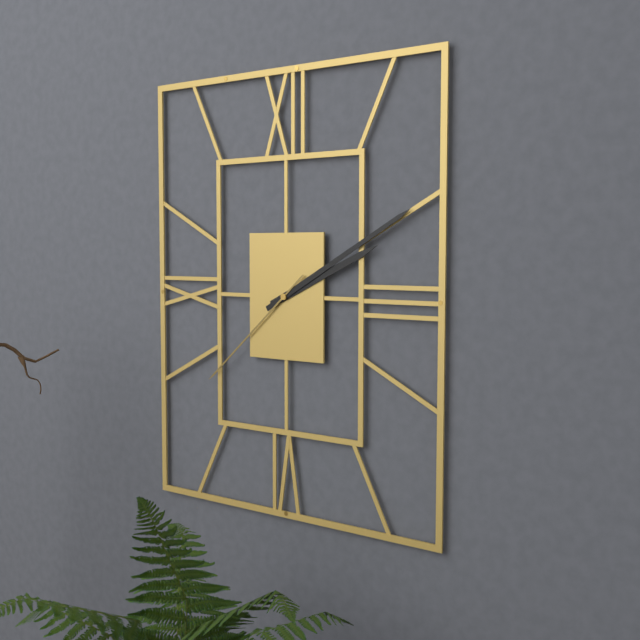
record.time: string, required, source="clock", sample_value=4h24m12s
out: 2h10m38s
